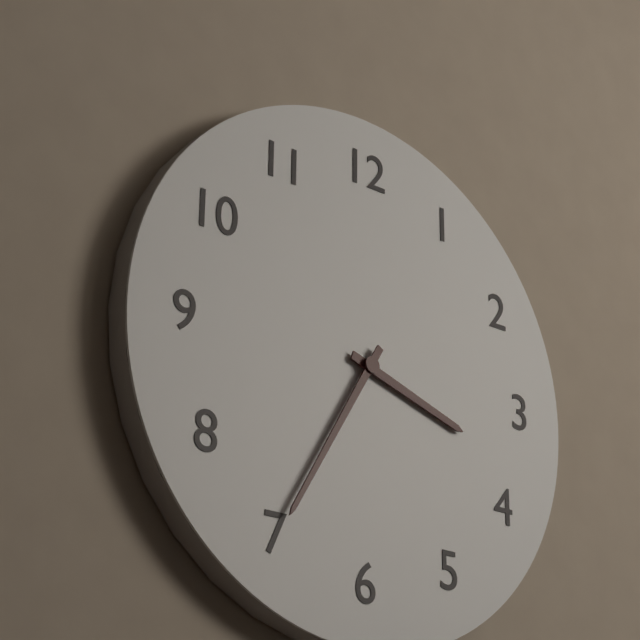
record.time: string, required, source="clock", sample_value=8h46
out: 3h35
